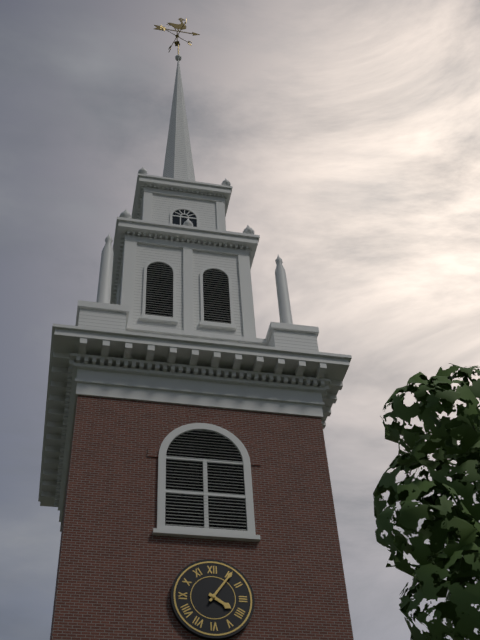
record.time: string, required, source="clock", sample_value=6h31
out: 4h06
